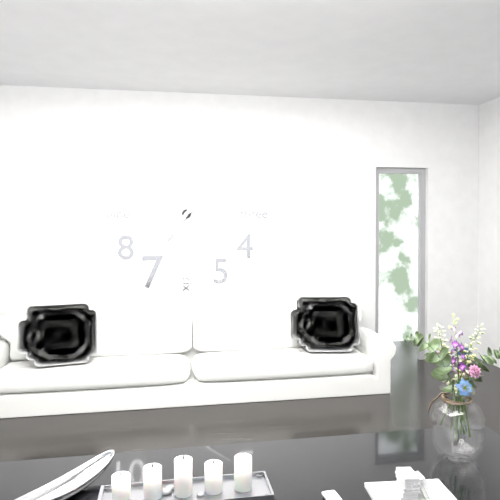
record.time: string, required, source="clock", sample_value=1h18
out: 7h09
